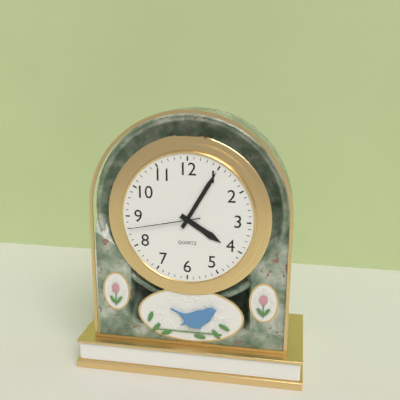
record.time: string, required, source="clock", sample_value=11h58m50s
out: 4h05m43s
